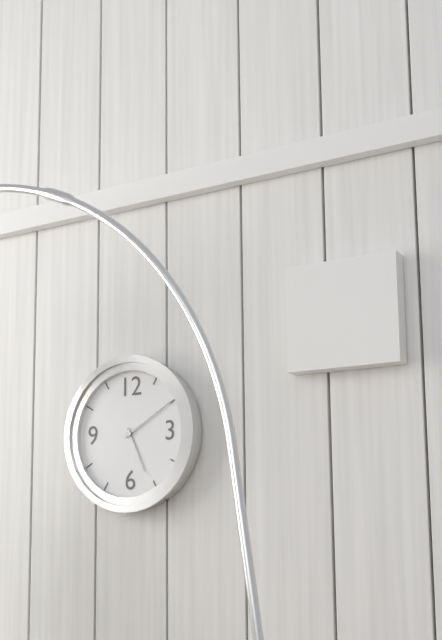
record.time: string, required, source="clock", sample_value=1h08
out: 5h10
